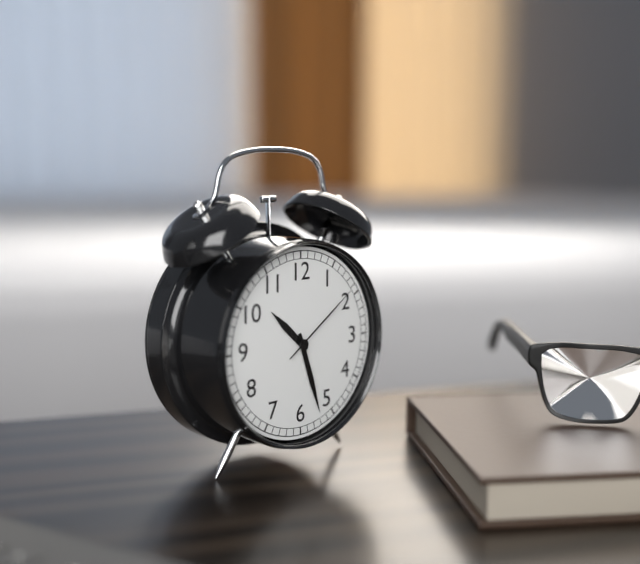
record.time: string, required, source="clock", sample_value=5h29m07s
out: 10h27m09s
